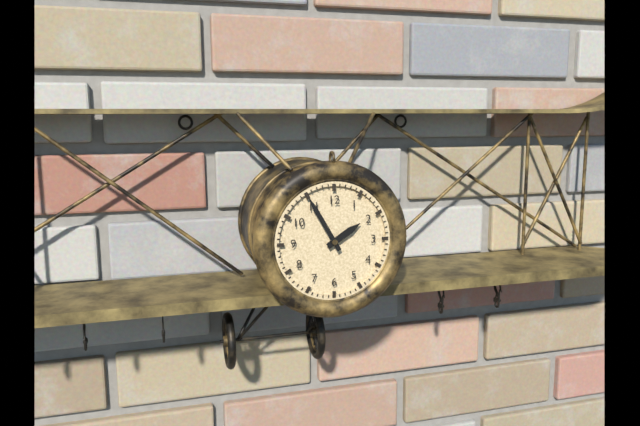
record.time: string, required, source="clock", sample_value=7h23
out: 1h55
